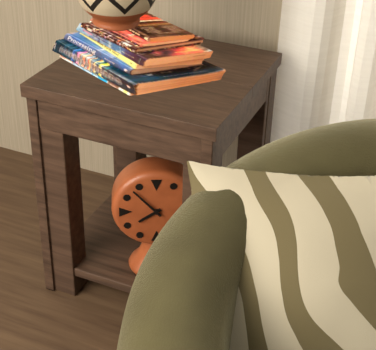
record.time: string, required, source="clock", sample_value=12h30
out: 7h53
